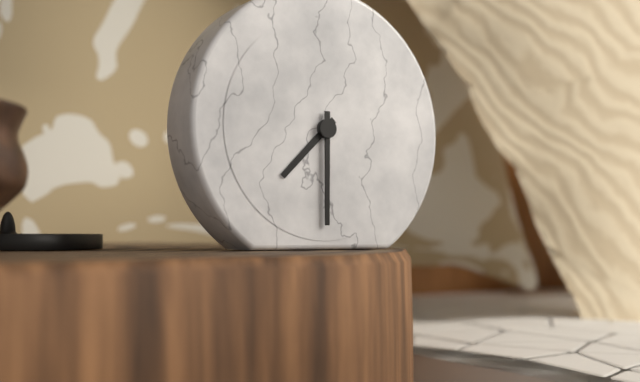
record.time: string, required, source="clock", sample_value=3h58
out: 7h30
